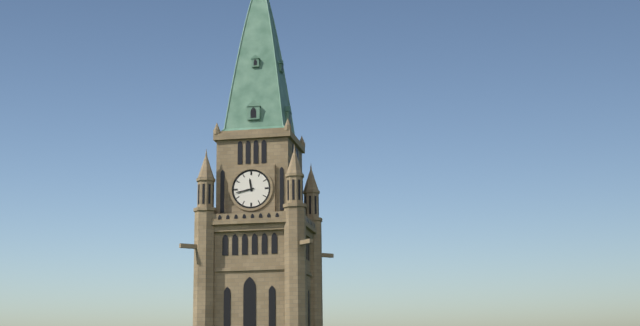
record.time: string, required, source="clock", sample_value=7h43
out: 11h43
